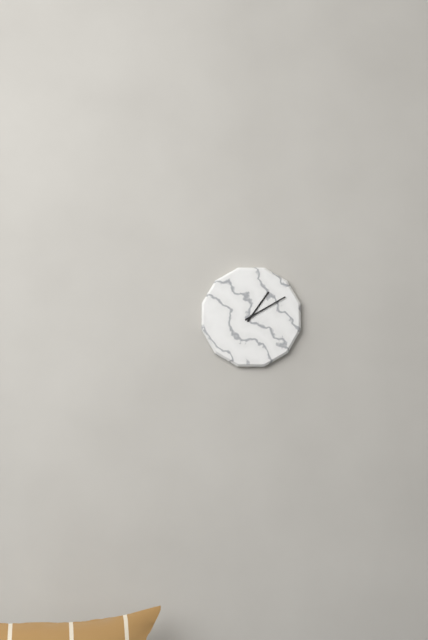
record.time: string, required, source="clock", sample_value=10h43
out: 1h10
